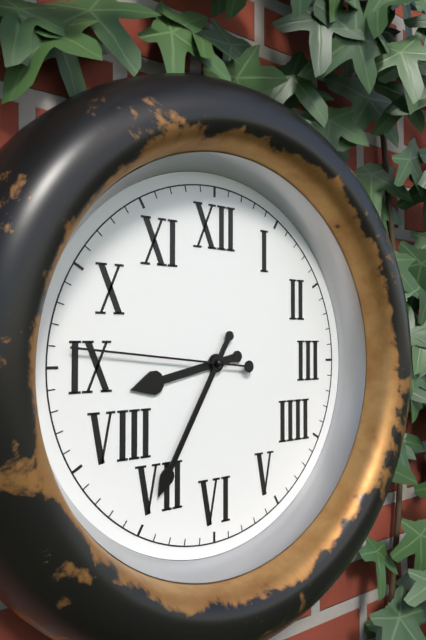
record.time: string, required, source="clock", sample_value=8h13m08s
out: 8h35m46s
